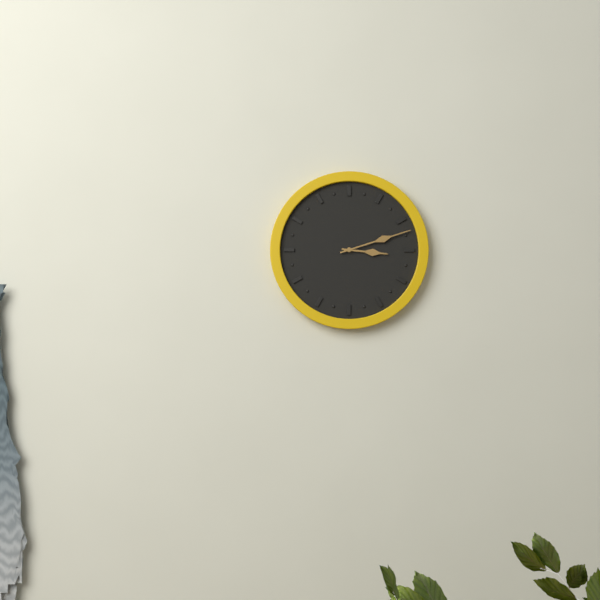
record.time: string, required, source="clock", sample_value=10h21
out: 3h12
